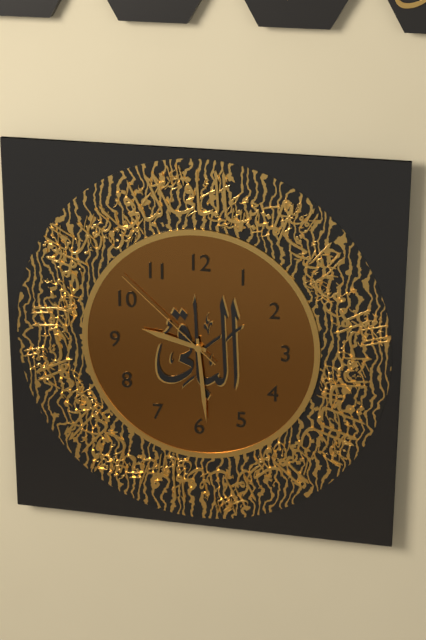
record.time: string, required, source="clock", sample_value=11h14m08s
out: 9h29m52s
